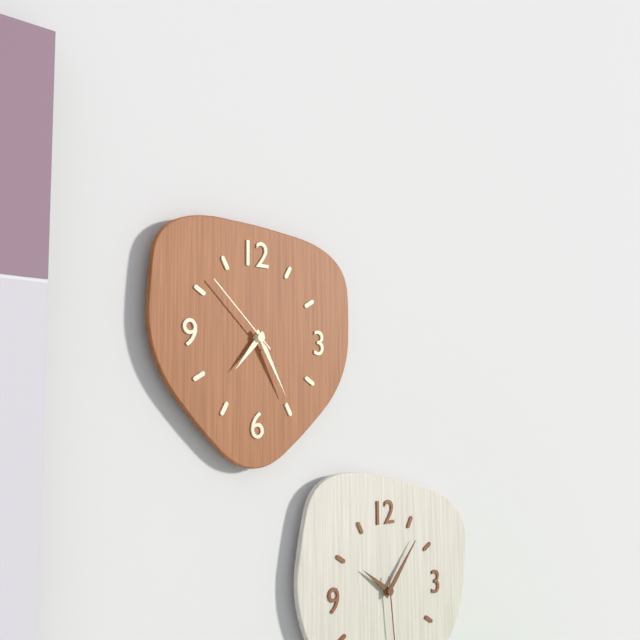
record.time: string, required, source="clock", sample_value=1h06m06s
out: 7h25m52s
